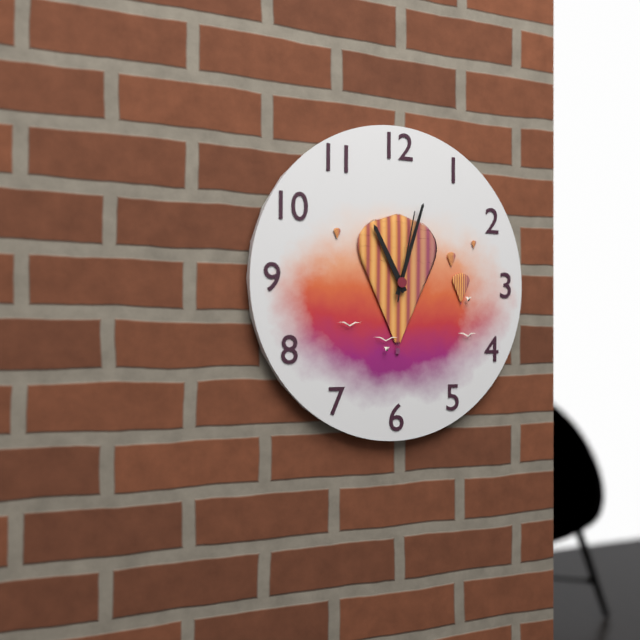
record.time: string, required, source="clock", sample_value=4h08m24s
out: 11h03m02s
